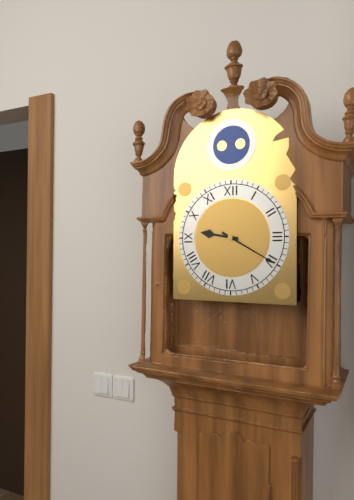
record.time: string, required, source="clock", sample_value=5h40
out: 9h20
